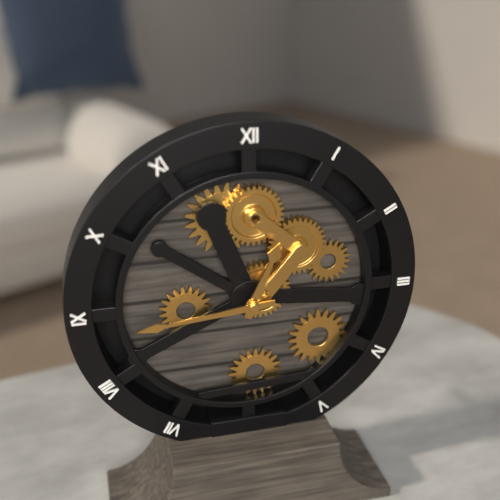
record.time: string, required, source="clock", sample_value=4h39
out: 12h44
